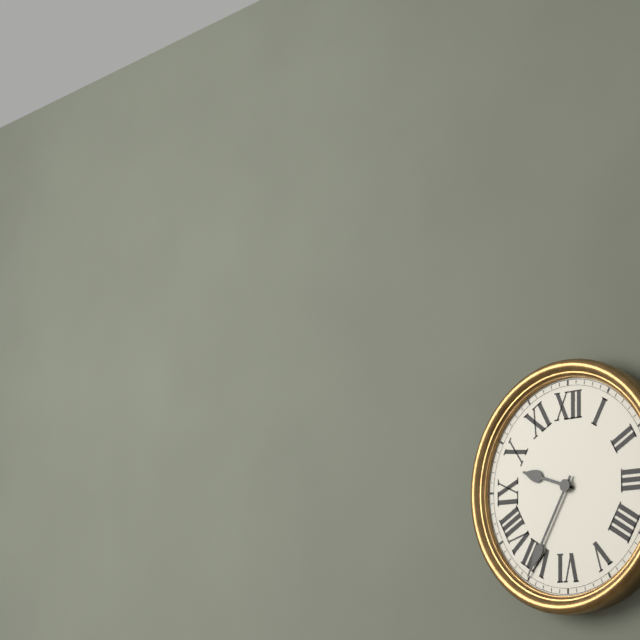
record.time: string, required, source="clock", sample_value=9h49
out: 9h35
